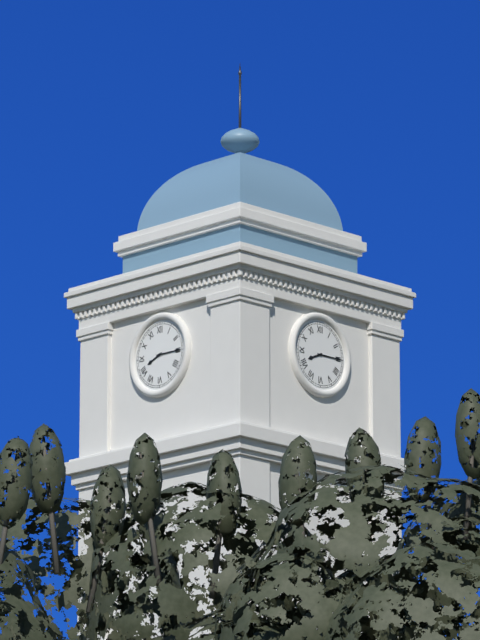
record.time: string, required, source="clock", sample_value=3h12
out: 8h15
